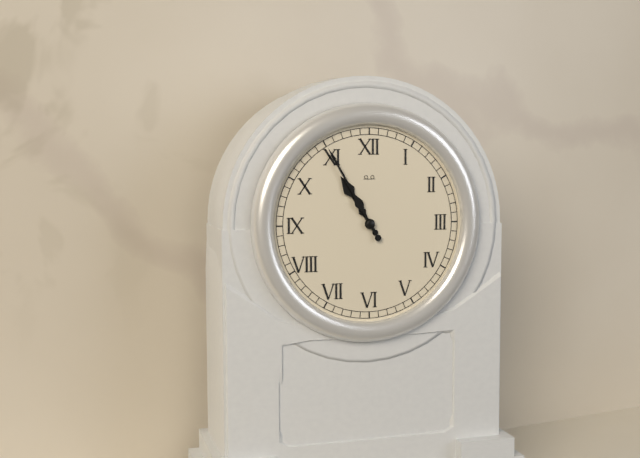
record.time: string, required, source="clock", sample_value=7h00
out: 10h55
